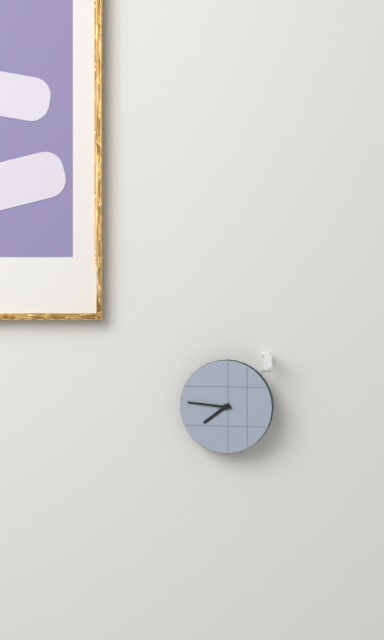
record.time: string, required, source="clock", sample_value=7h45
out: 7h46
